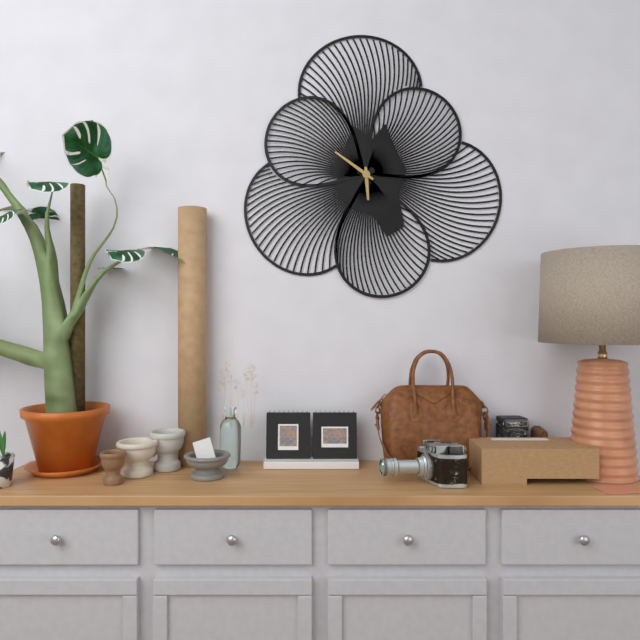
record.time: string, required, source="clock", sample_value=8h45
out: 5h51
